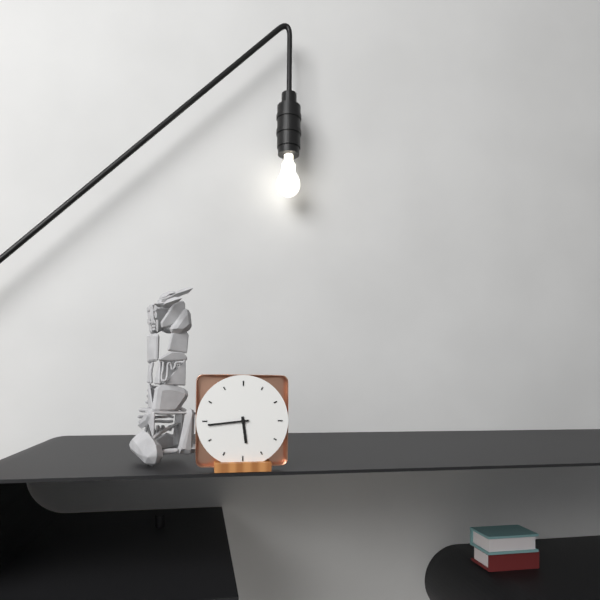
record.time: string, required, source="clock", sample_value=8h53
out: 5h44
